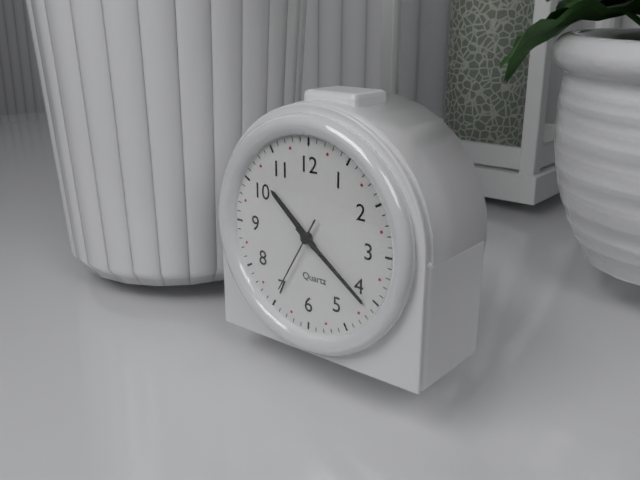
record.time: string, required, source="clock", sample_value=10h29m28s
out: 10h21m35s
